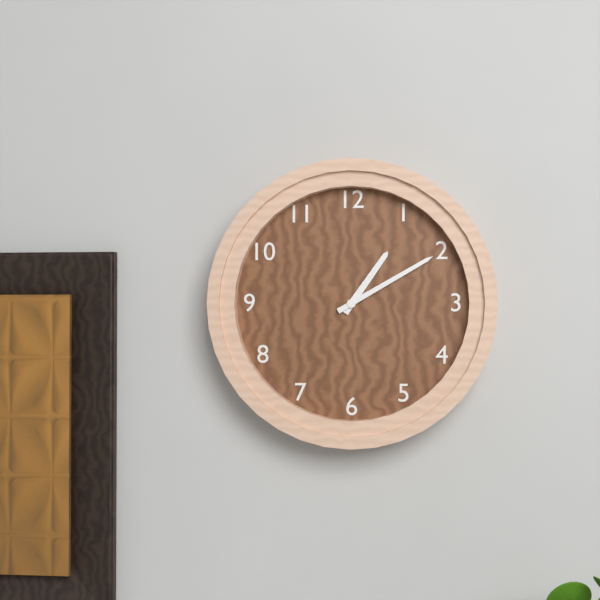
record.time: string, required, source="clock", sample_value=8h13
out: 1h10
